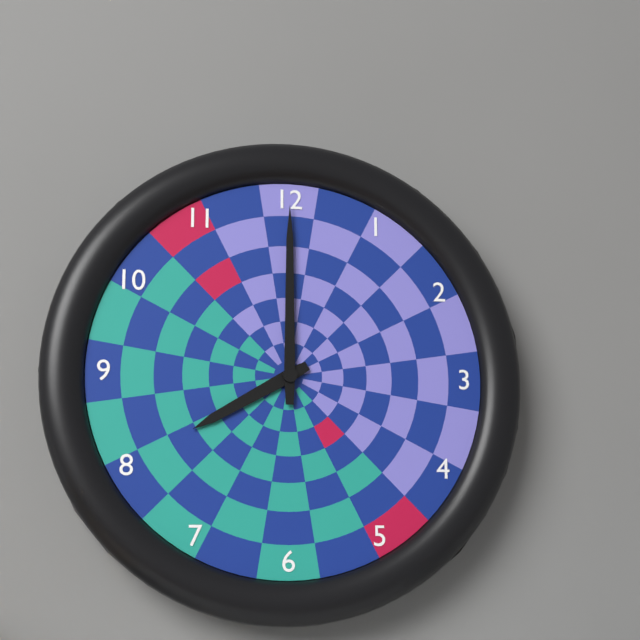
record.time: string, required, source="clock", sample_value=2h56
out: 8h00
